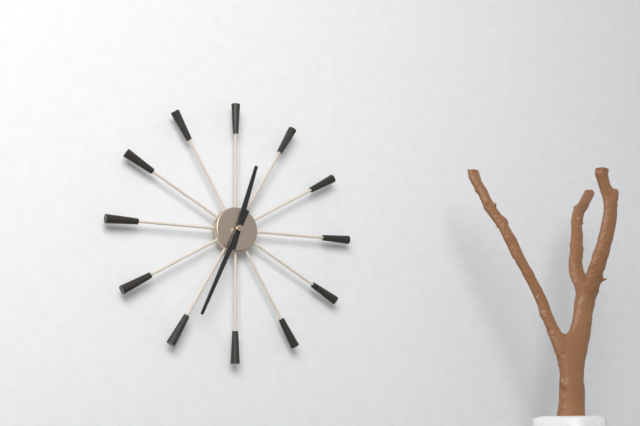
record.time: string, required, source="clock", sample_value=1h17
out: 12h34
